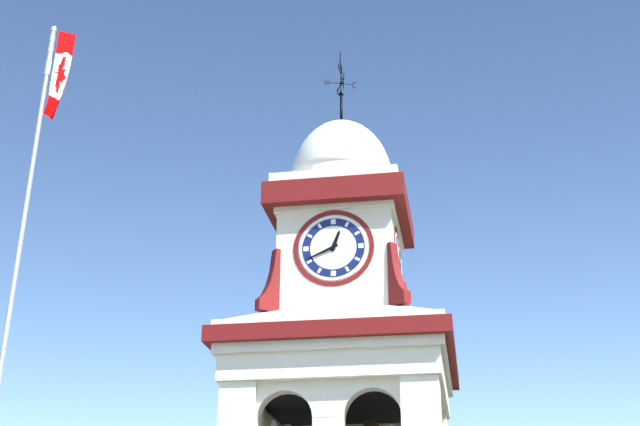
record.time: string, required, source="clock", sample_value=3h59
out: 12h41
